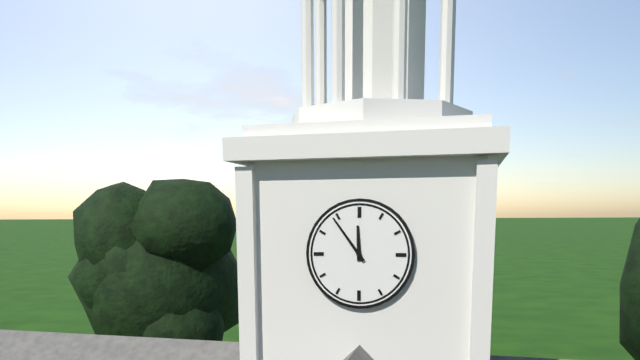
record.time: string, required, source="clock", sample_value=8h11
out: 11h54
